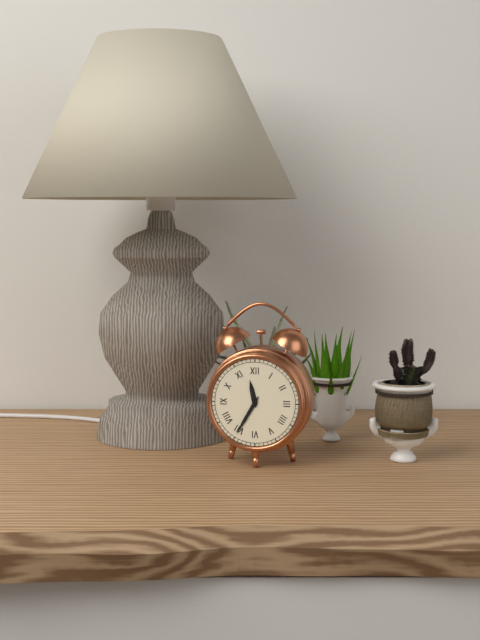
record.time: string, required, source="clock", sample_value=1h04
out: 11h35
